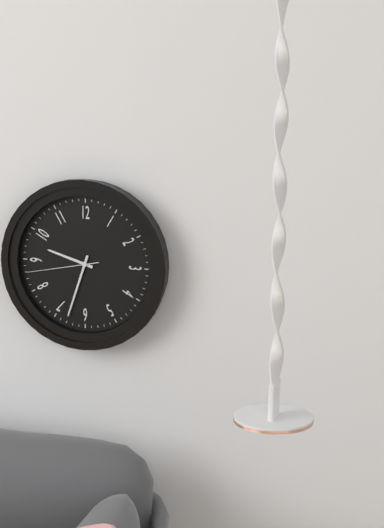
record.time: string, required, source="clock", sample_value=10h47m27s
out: 9h33m43s
